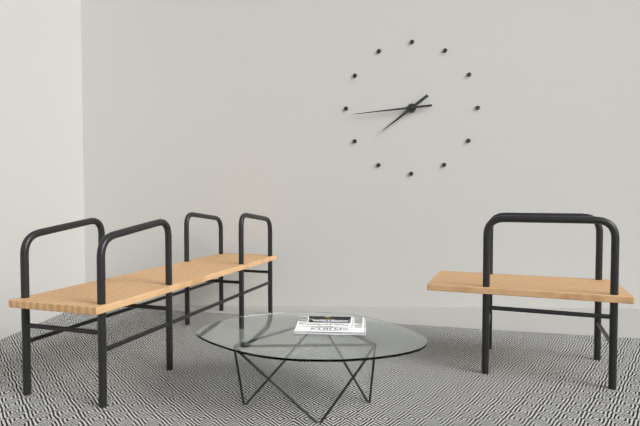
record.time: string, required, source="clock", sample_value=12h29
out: 7h44
